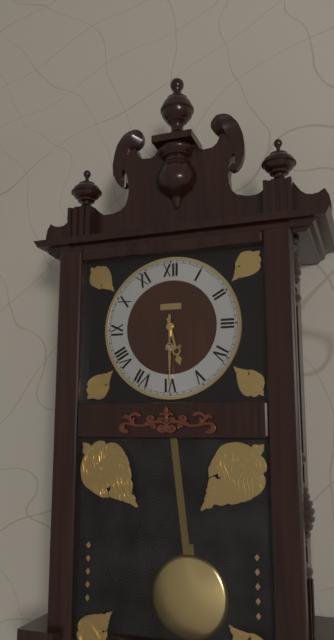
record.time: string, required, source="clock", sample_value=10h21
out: 5h30
